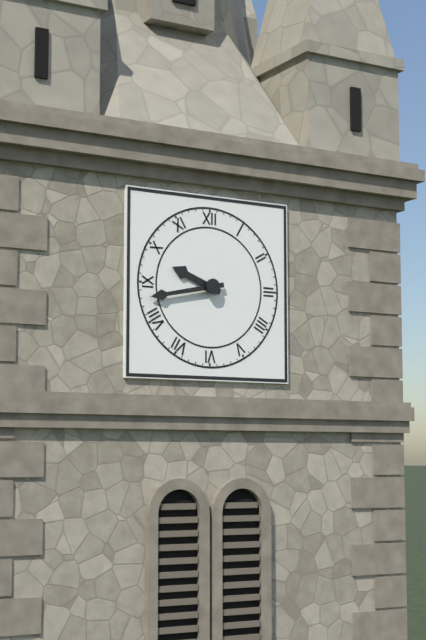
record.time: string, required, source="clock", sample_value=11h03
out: 9h43
